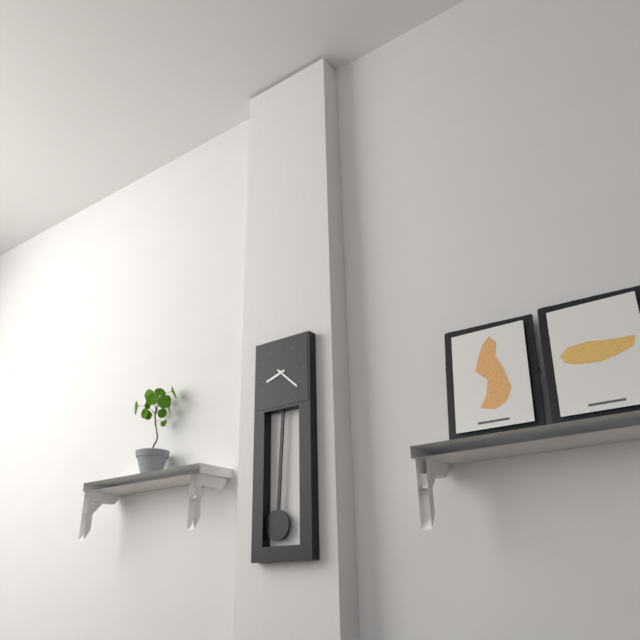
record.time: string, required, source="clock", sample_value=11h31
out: 8h22
